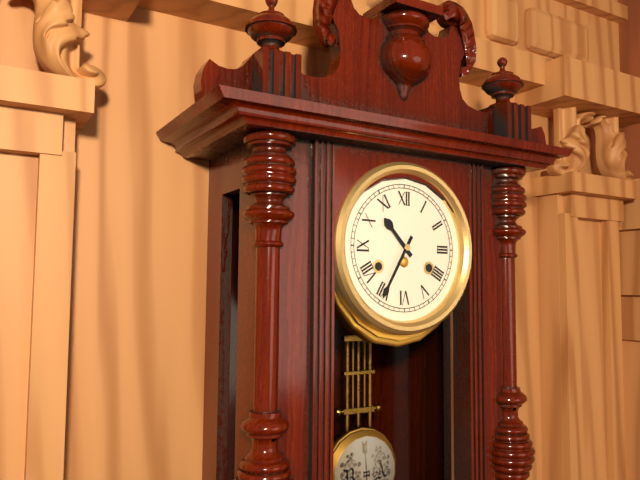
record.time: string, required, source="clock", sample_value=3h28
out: 10h35
